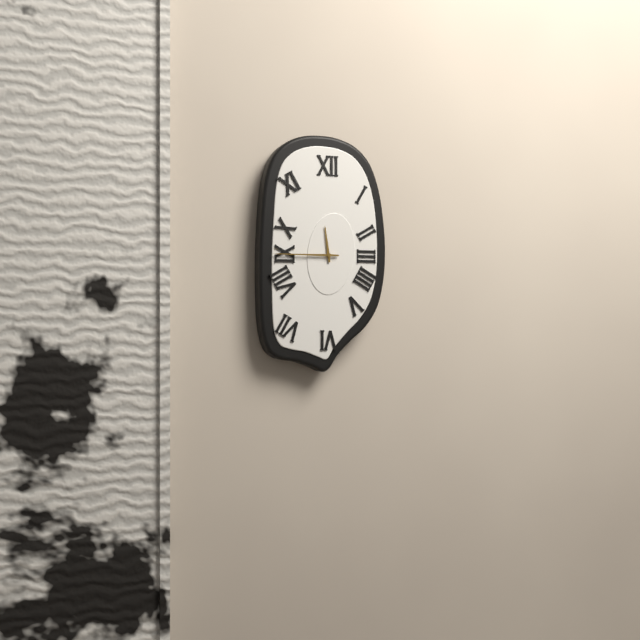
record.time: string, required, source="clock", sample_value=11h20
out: 11h45
